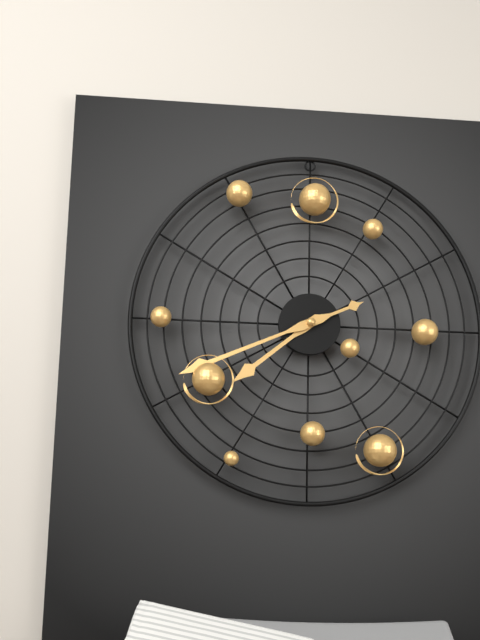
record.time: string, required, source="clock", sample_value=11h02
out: 7h41
